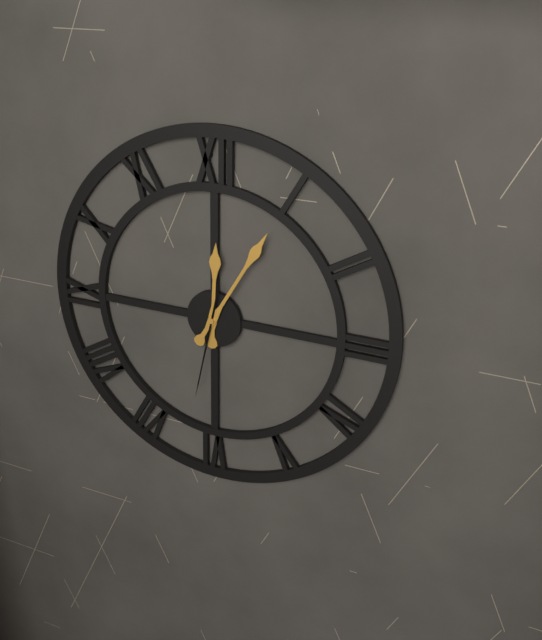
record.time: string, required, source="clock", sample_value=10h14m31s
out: 12h05m32s
